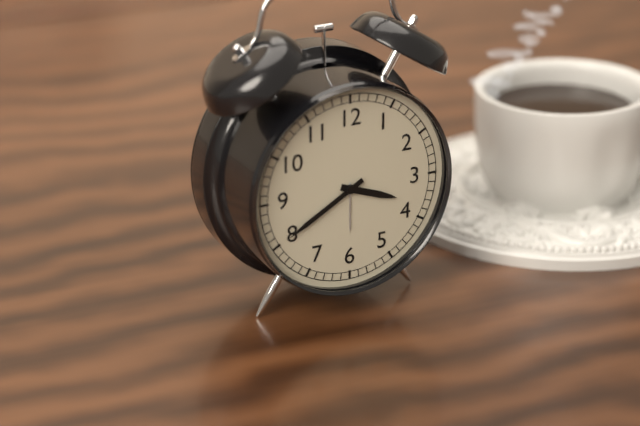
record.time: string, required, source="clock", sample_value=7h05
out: 3h40
